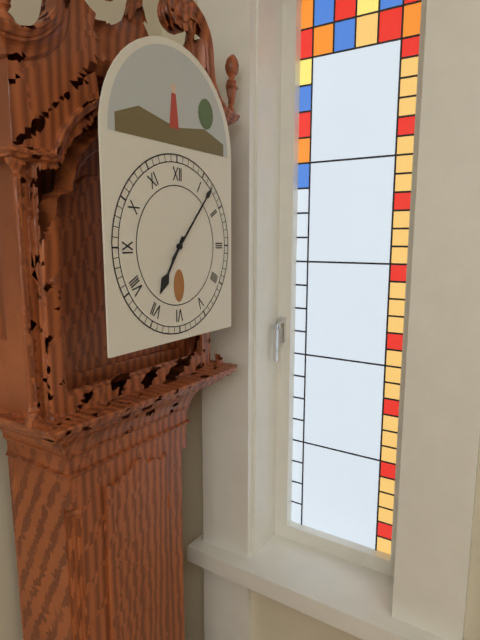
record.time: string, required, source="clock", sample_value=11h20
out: 7h07
